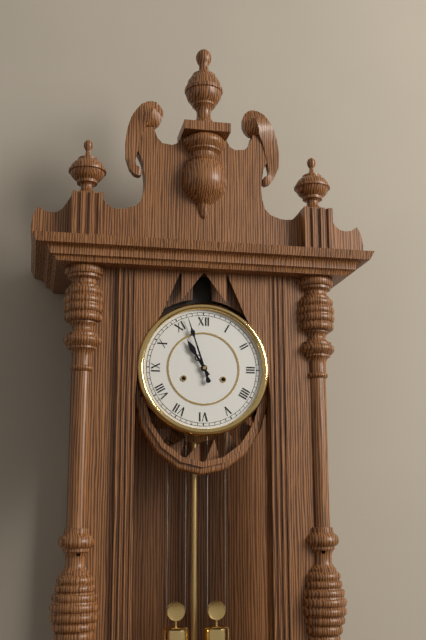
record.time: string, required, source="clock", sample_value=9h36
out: 10h57
